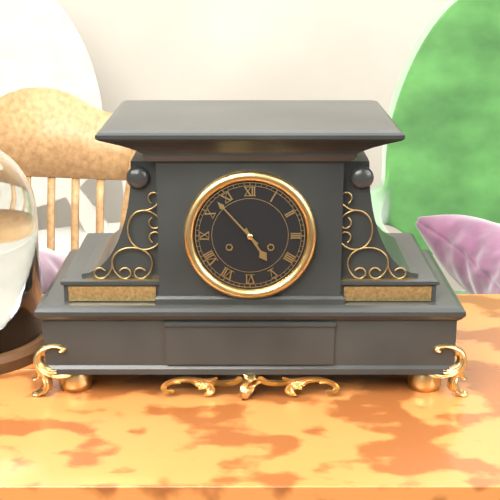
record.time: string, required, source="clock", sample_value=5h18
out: 4h53
